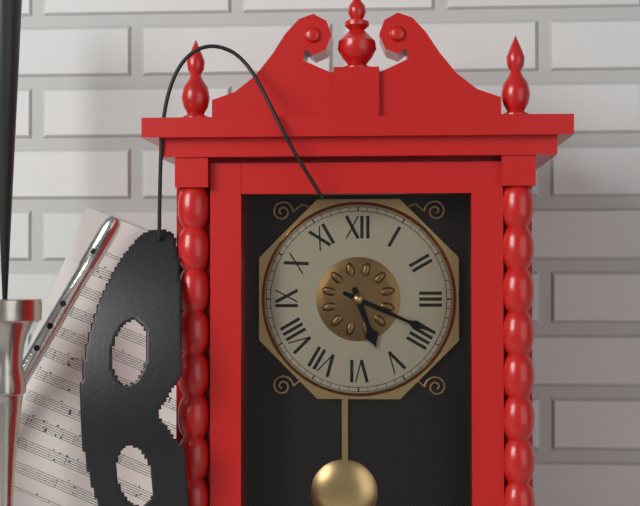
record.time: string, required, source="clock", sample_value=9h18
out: 5h19
